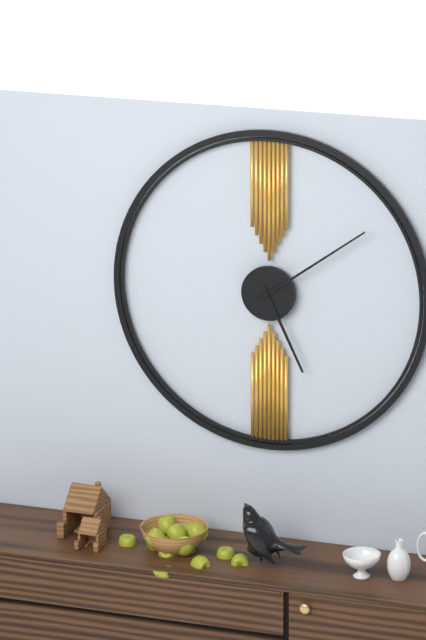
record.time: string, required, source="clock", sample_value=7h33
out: 5h09
